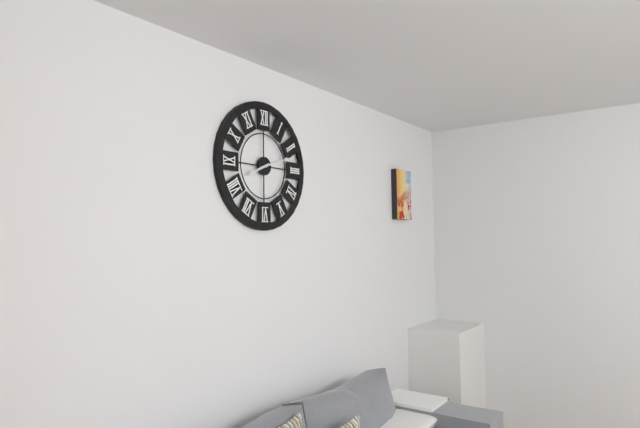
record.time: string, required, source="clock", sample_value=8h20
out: 8h12
